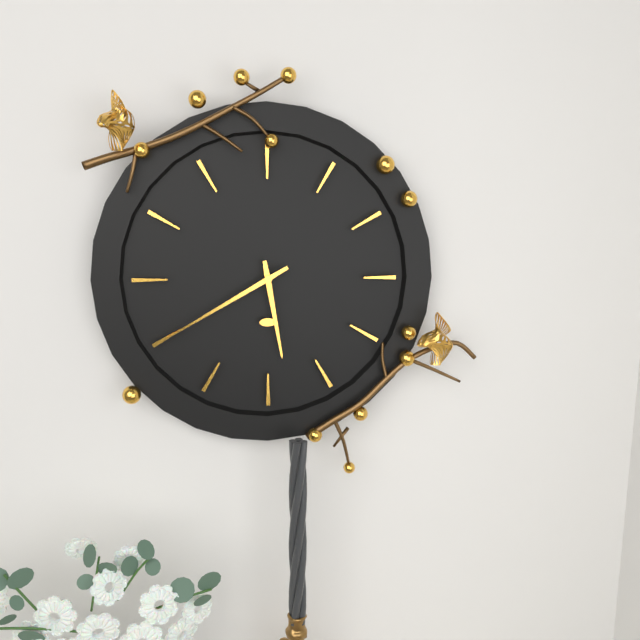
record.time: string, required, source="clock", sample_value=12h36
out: 5h40
